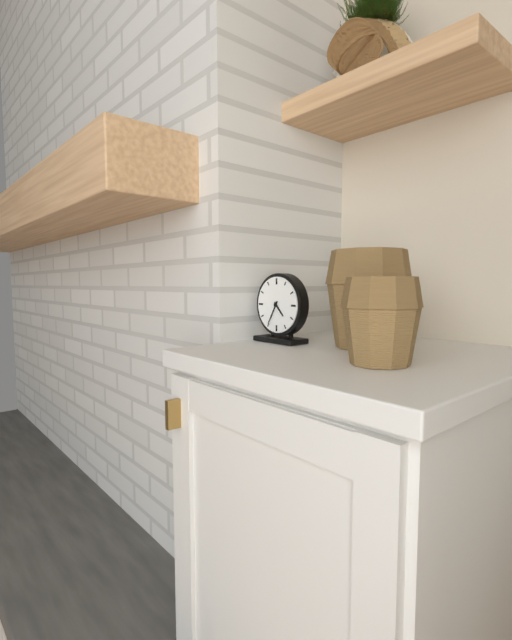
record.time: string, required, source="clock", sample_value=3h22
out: 4h35
